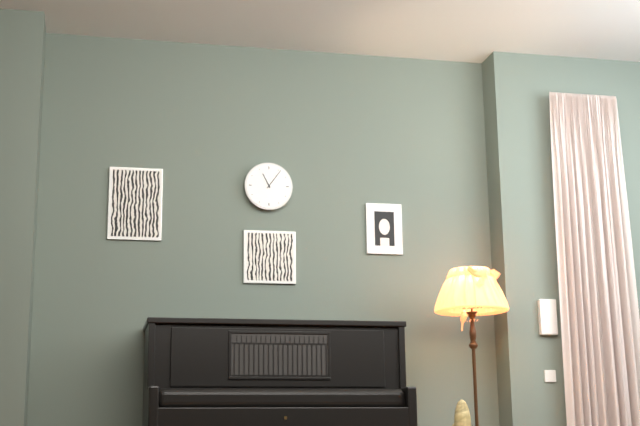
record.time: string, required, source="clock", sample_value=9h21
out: 11h06
